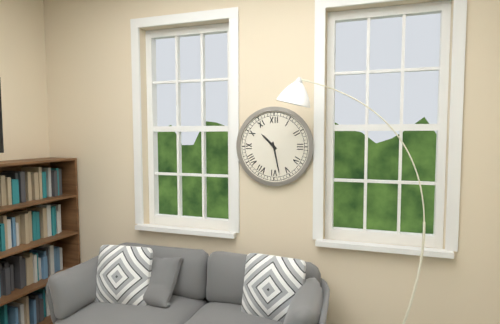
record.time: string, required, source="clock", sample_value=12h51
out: 10h28
